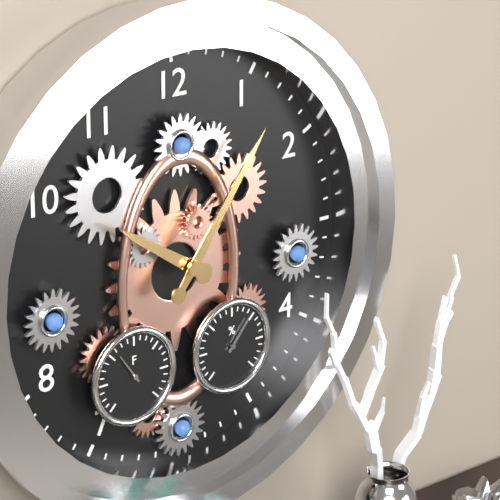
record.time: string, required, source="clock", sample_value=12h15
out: 10h06
